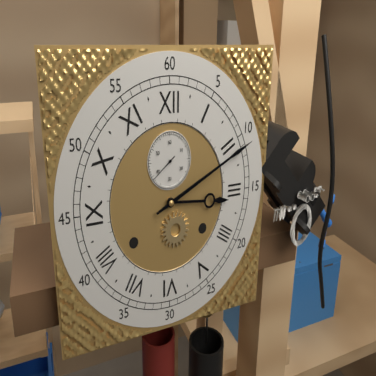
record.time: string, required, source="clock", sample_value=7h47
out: 3h11
